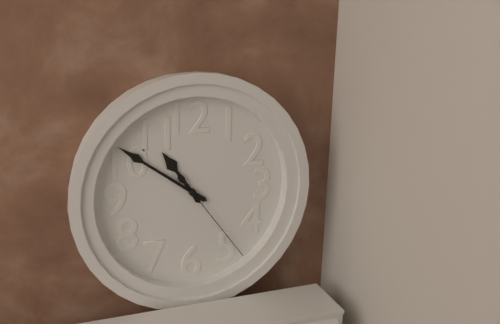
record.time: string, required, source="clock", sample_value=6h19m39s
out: 10h51m24s
